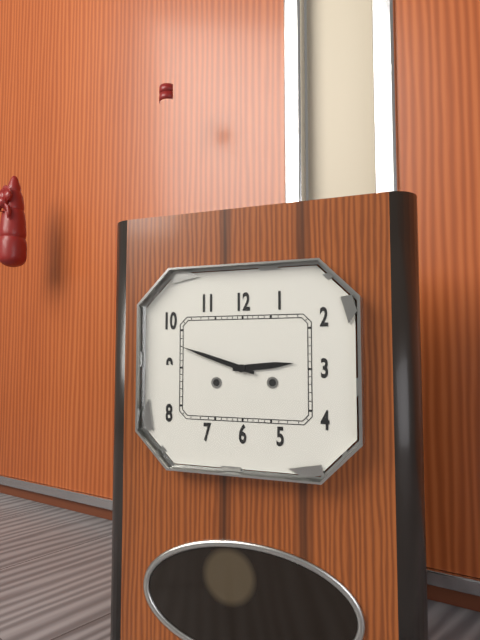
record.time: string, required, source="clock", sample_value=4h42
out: 2h48
